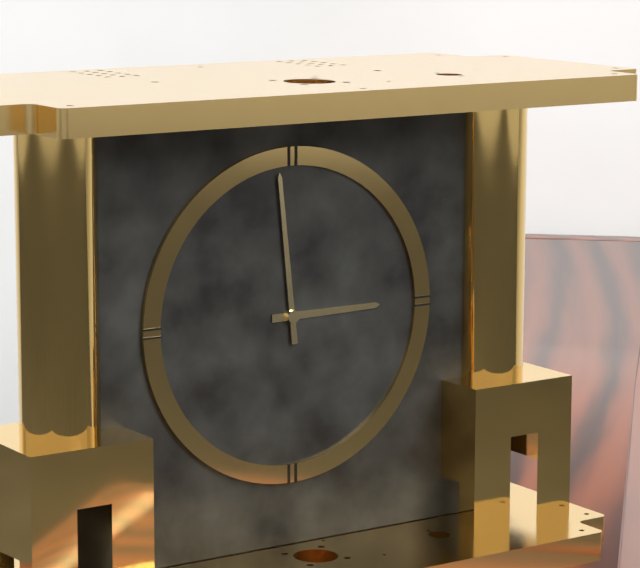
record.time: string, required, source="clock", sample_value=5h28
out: 2h59
